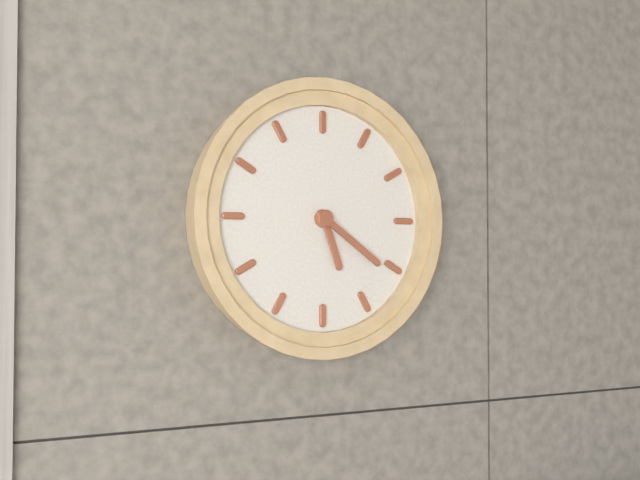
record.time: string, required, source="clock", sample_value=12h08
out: 5h21
